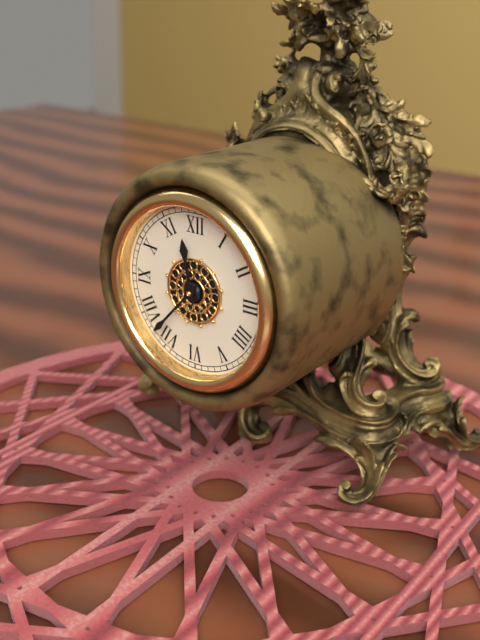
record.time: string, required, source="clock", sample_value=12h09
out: 11h37
